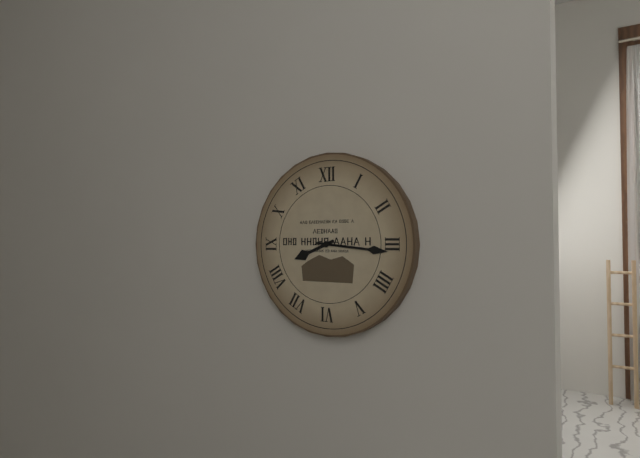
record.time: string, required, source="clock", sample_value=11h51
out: 8h16
